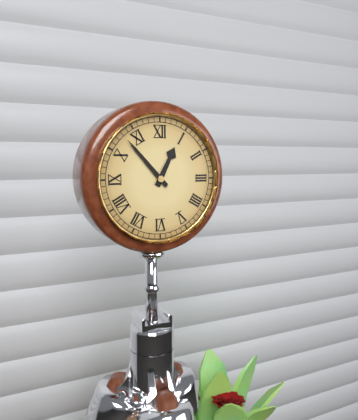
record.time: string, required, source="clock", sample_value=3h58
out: 12h53
